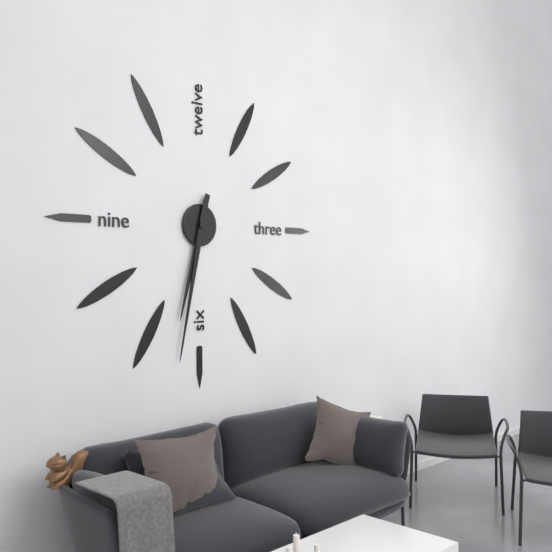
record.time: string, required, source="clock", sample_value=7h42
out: 6h32
